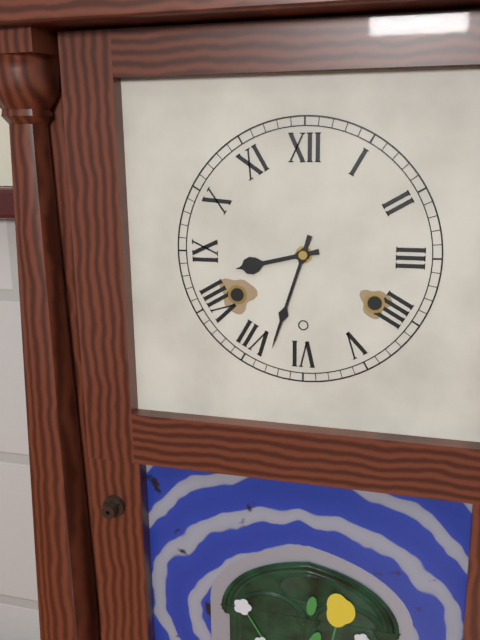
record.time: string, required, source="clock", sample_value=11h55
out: 8h33
